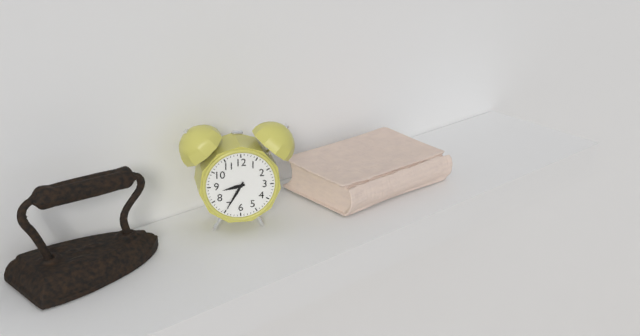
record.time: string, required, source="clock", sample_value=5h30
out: 8h35
